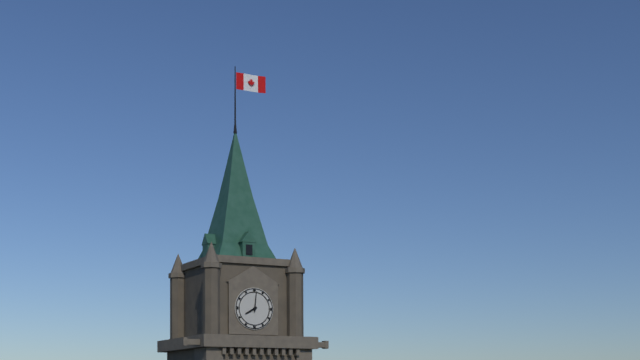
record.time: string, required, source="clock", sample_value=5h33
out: 8h01
